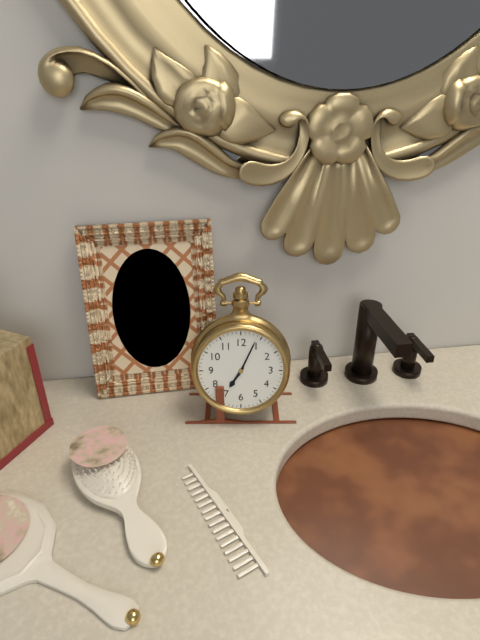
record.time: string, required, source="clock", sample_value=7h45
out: 7h04
